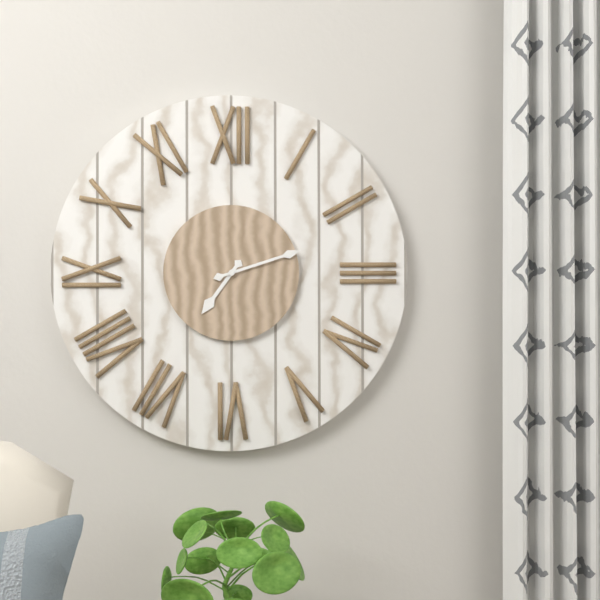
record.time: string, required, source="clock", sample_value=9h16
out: 7h12
